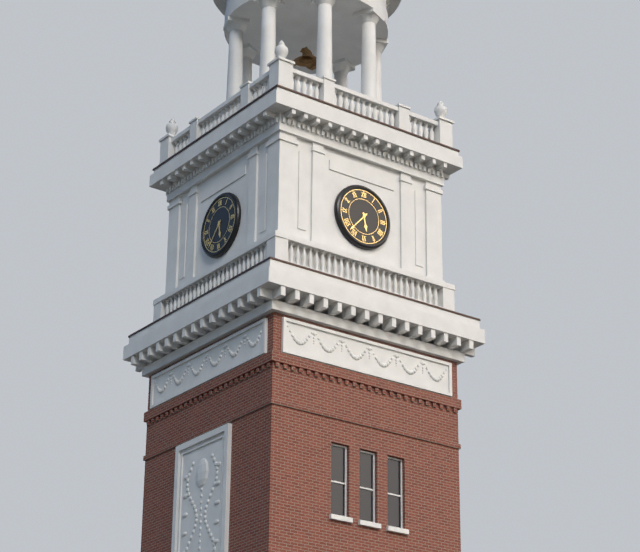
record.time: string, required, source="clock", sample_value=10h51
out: 5h37
